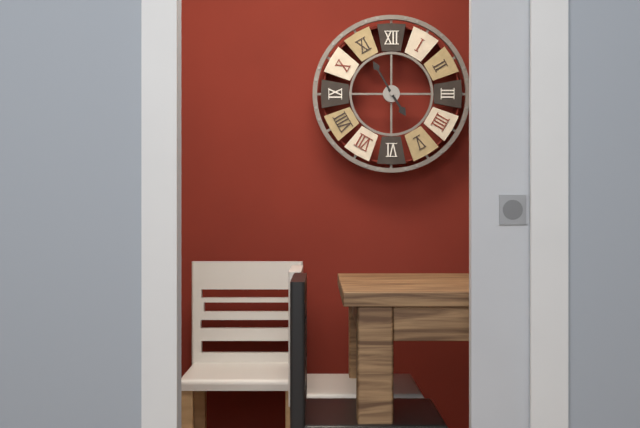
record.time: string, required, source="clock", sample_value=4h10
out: 4h55
